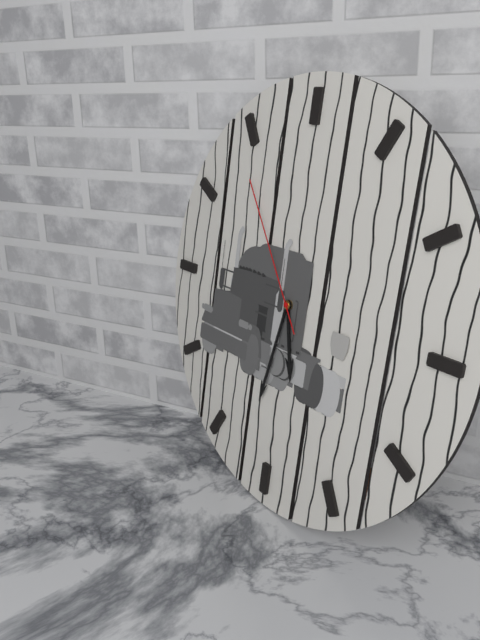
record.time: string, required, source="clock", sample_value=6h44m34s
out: 5h32m54s
